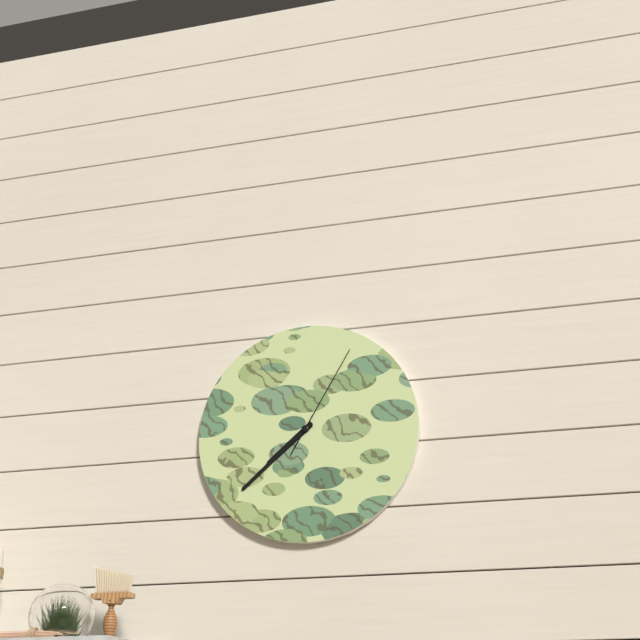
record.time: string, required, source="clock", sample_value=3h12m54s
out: 7h38m05s
